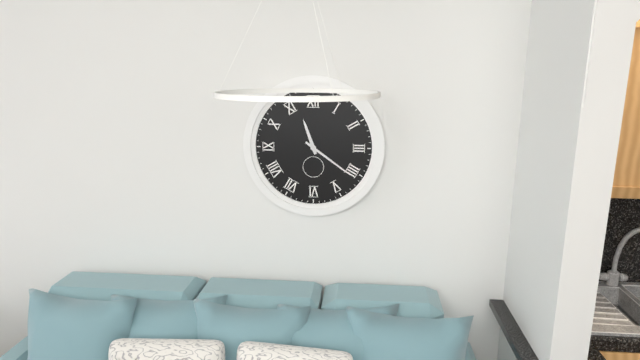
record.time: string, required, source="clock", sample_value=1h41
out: 11h21
